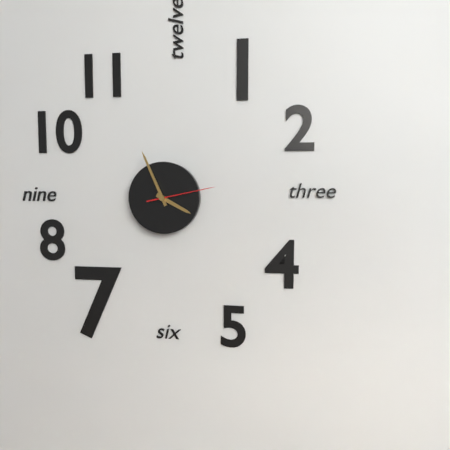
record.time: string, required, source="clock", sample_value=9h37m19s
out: 3h56m13s
